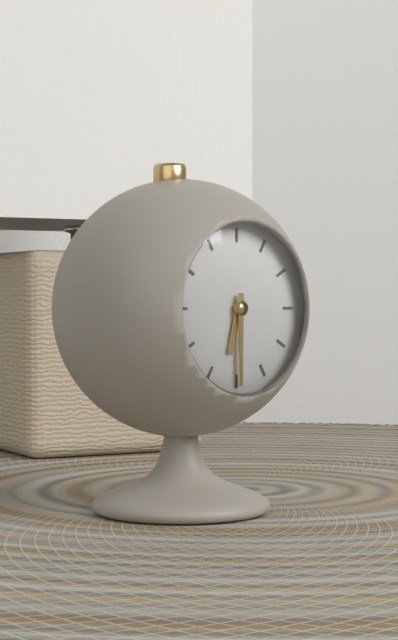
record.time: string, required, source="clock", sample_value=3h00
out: 6h30
